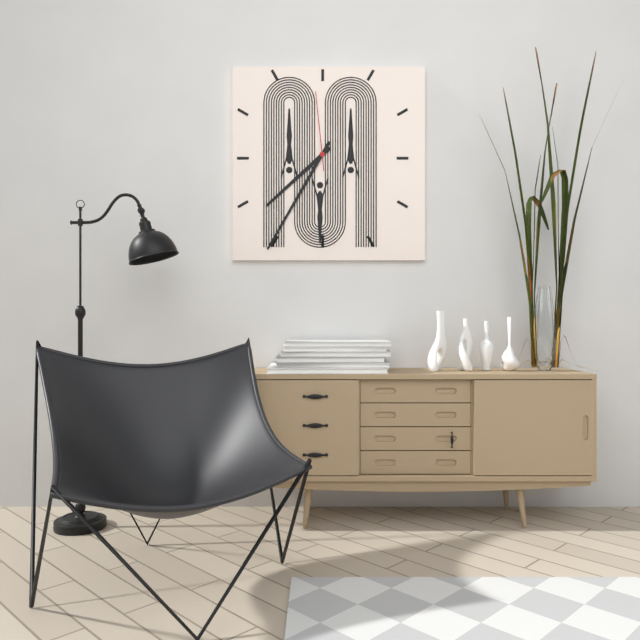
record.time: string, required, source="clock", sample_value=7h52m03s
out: 7h35m59s
